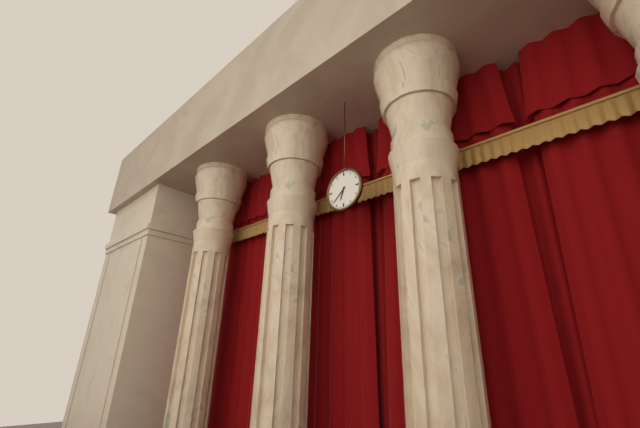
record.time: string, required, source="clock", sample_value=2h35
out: 6h38
